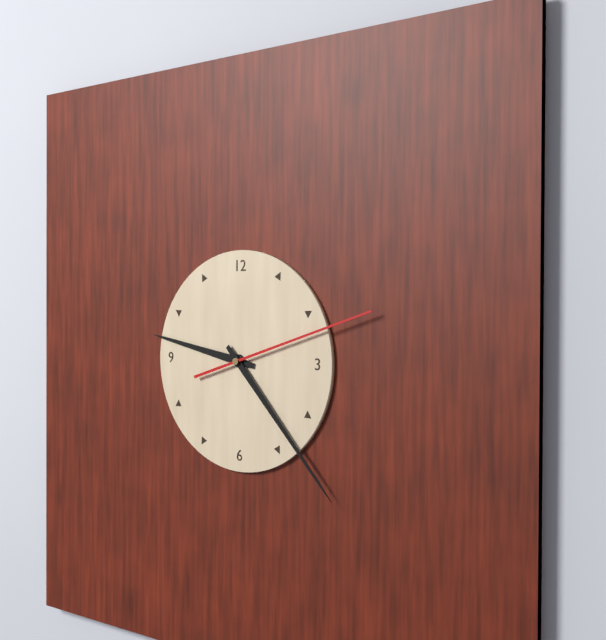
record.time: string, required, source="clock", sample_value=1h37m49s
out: 9h23m12s
